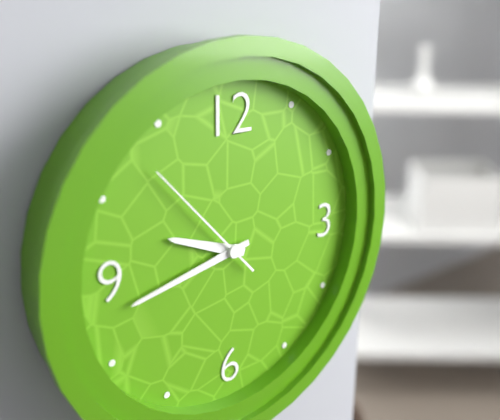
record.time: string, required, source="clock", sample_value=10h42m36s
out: 9h43m53s
